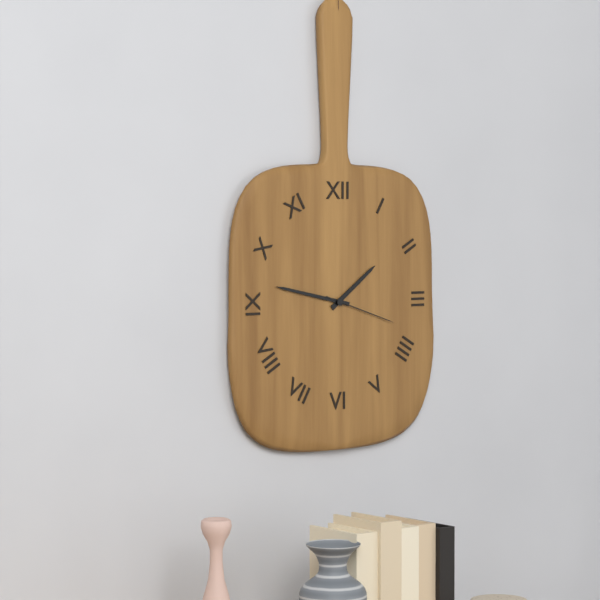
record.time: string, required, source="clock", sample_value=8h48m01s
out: 1h47m18s
